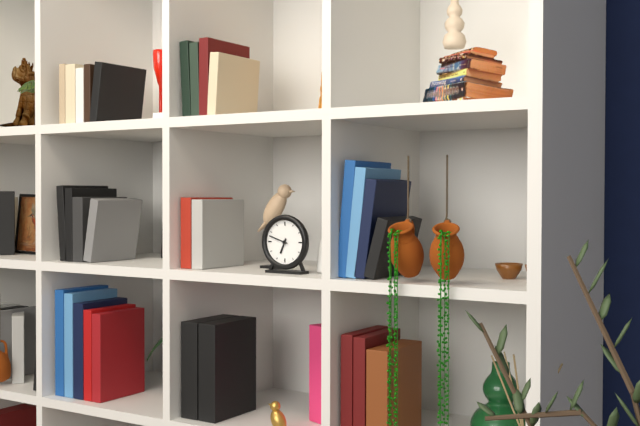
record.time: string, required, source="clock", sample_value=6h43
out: 6h48
